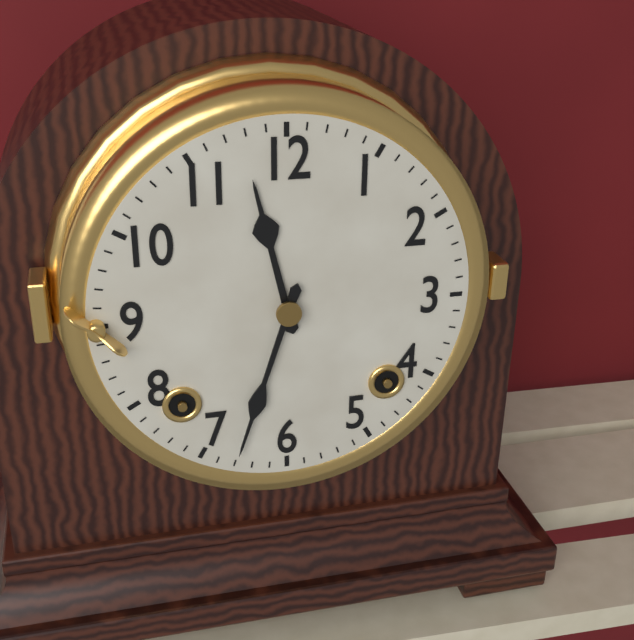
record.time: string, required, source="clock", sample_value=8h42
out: 11h33
